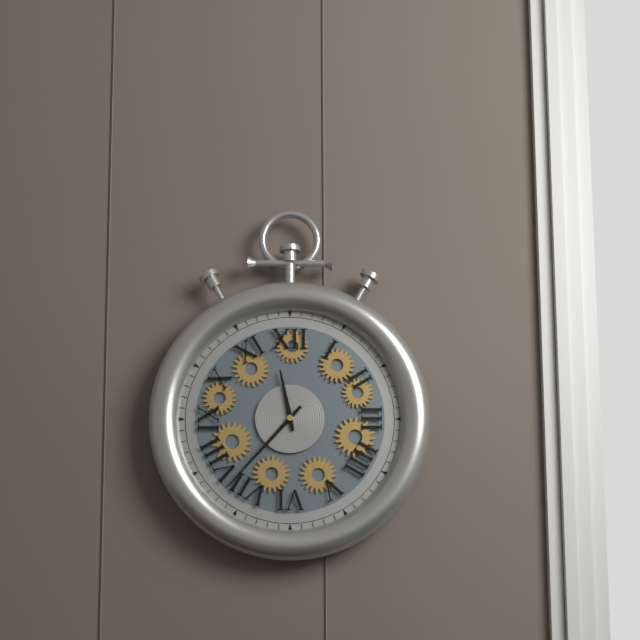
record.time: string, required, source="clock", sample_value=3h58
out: 11h37
